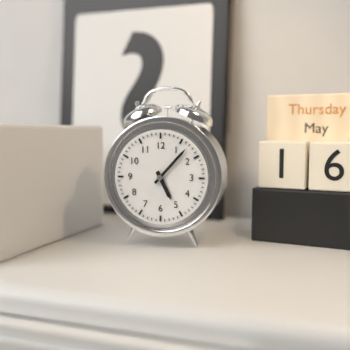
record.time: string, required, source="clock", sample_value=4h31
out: 5h07
